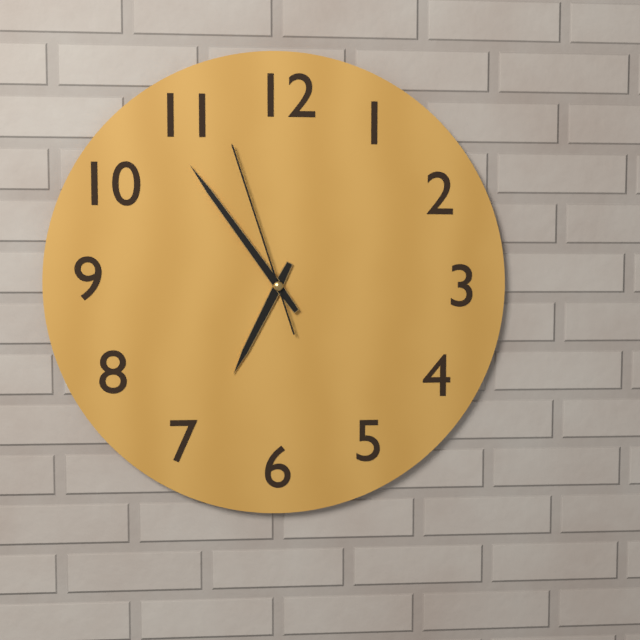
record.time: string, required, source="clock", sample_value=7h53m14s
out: 6h54m57s
